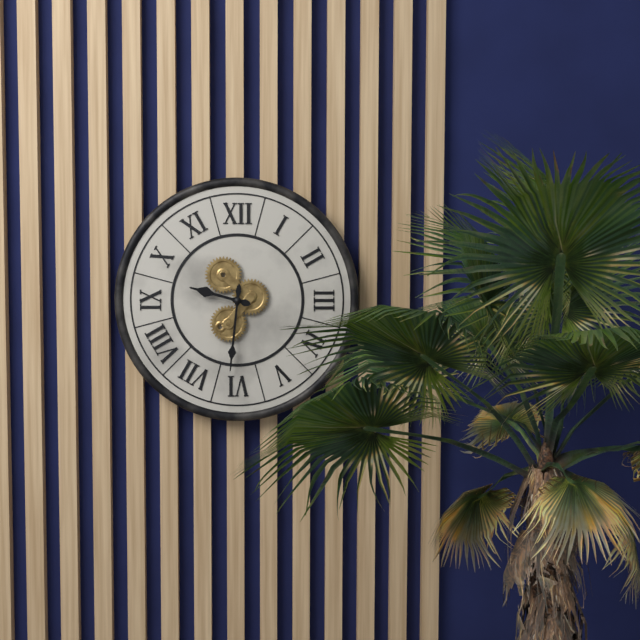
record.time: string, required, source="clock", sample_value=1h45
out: 9h31
